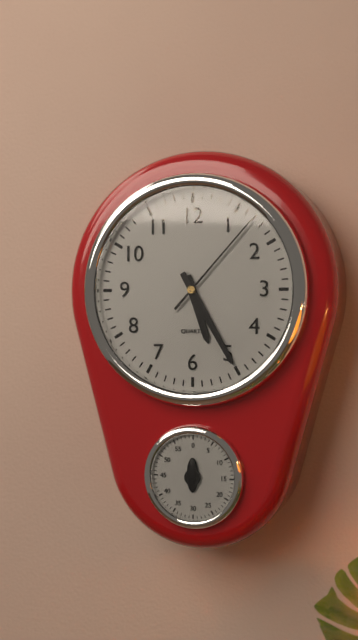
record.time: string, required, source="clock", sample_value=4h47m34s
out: 5h25m07s
